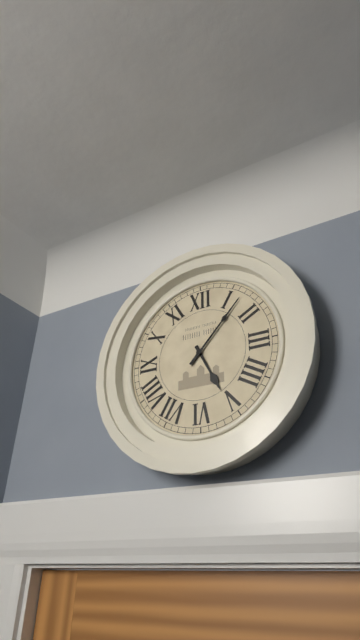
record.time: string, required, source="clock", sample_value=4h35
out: 5h07
